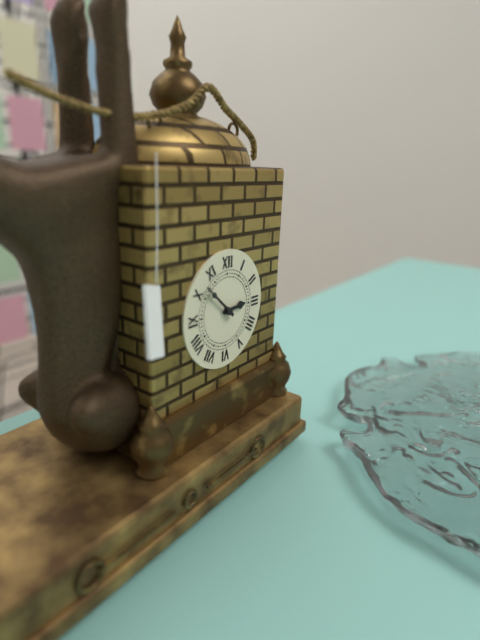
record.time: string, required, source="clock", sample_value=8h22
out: 2h52
